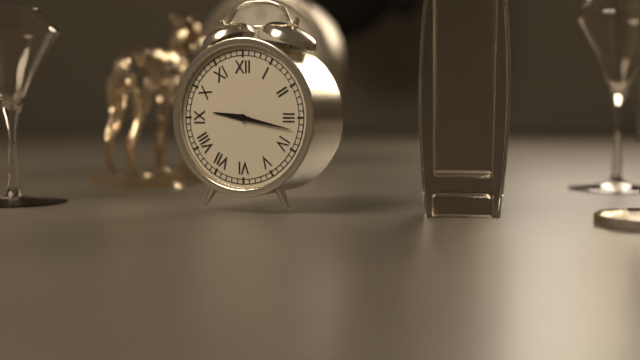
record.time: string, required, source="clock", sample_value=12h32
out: 9h17
